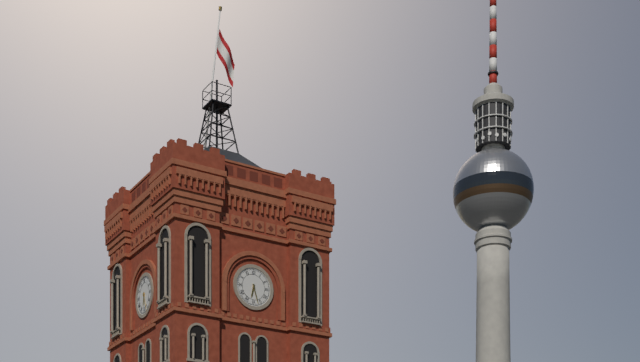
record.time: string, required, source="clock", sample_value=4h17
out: 6h27
